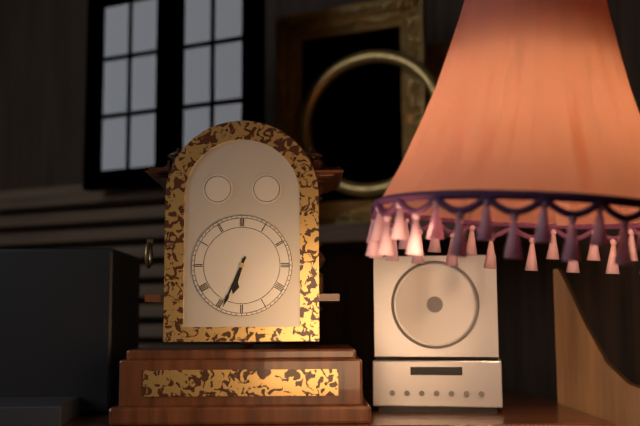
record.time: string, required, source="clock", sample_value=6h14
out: 6h34
